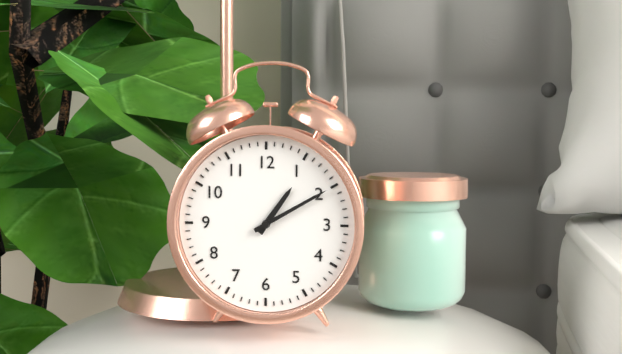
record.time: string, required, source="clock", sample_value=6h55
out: 1h10
